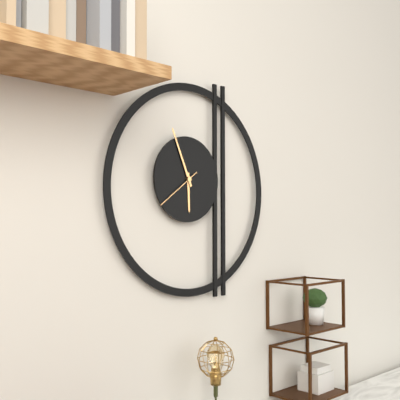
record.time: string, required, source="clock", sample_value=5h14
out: 5h56
